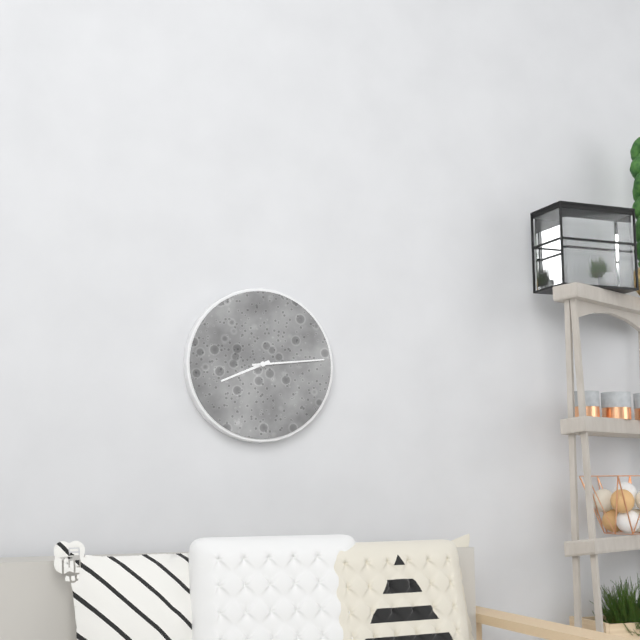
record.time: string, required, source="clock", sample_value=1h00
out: 8h14
